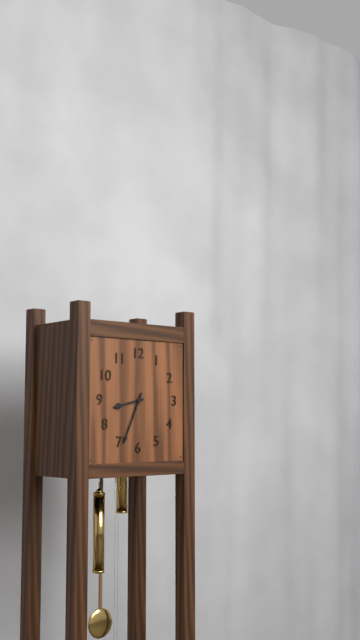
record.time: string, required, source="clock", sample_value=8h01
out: 8h34
